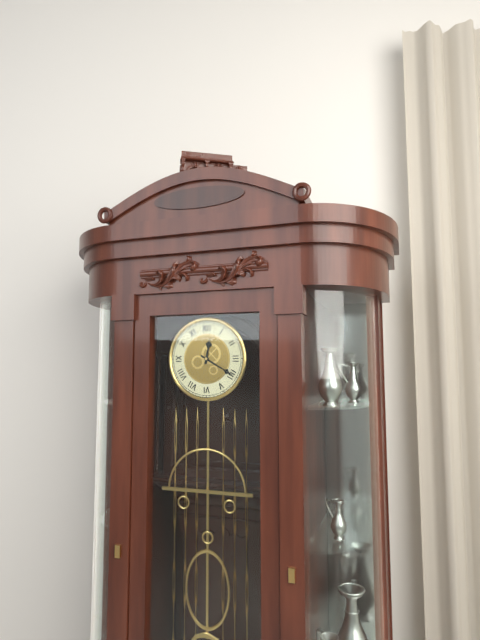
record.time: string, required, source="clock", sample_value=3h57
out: 12h20
